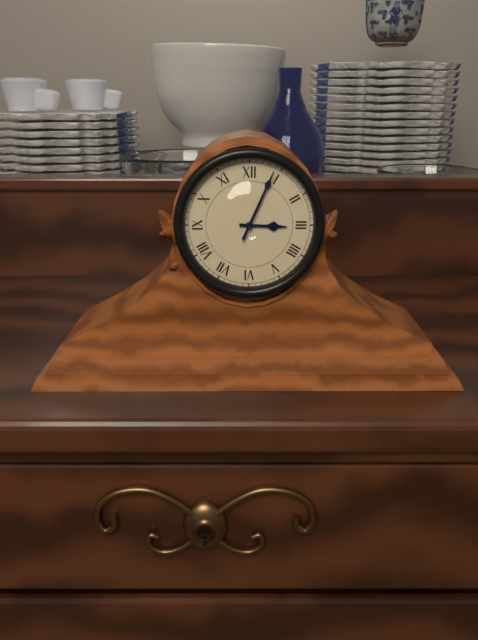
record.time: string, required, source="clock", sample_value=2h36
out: 3h04
